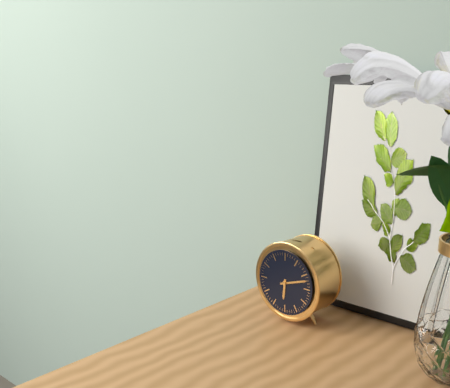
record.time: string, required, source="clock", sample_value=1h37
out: 6h12
